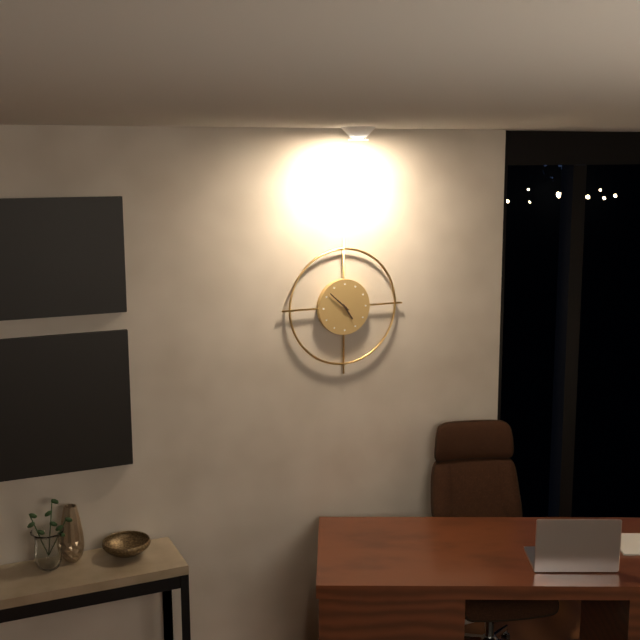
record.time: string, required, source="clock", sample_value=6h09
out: 4h52
